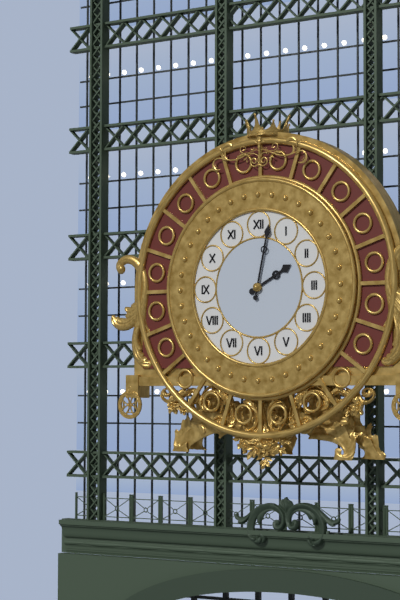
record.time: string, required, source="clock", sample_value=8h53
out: 2h02
